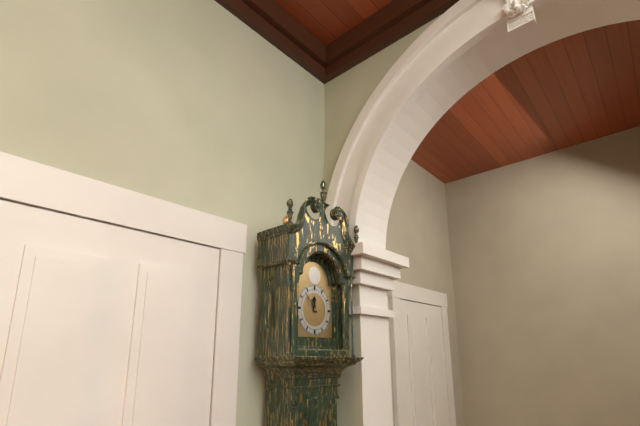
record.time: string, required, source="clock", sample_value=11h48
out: 11h53
